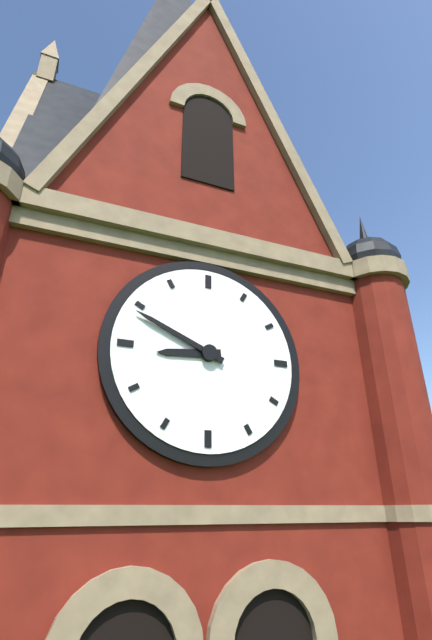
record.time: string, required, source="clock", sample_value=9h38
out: 8h49
